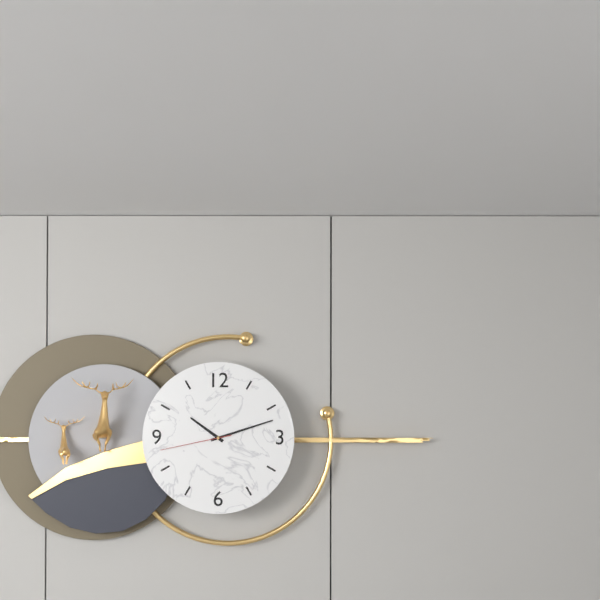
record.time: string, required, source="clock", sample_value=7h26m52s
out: 10h12m43s
